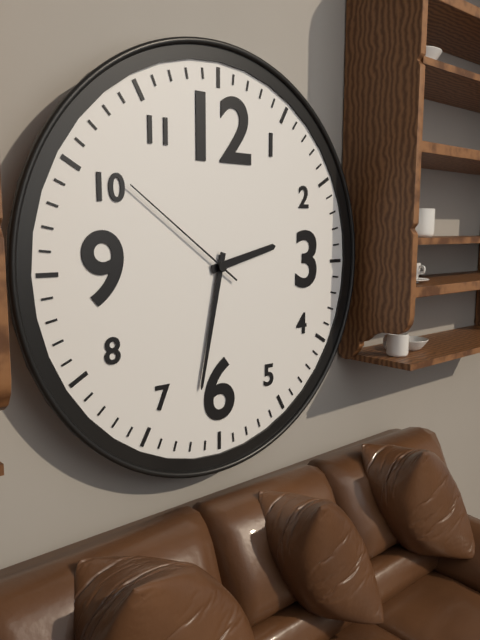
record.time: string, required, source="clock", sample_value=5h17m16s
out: 2h32m51s
